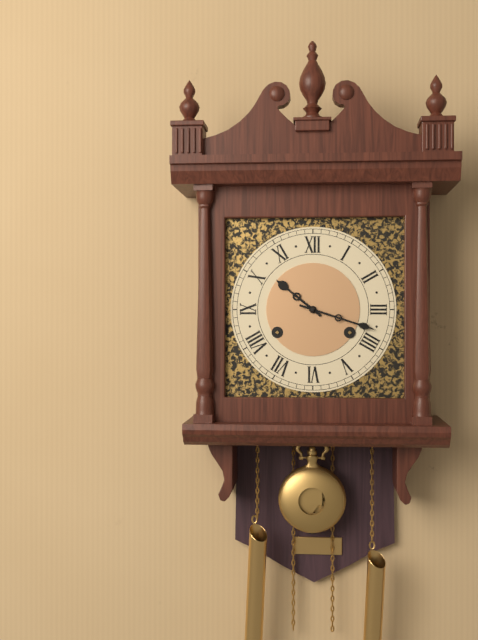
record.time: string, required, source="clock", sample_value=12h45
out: 10h18
